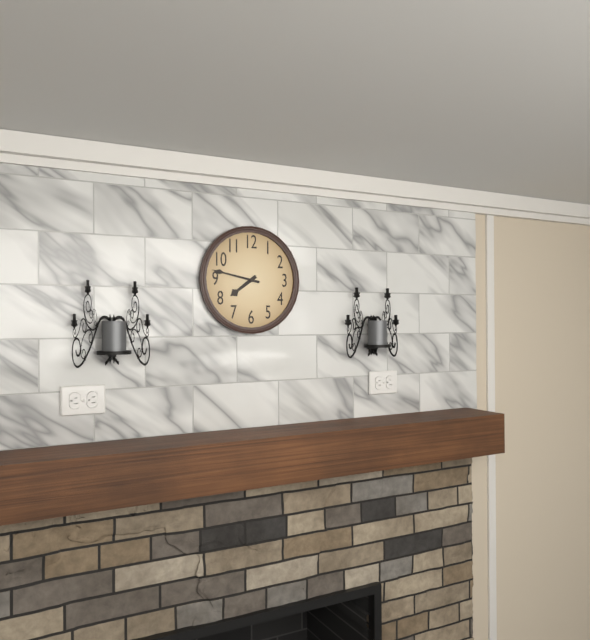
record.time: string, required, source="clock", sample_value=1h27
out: 7h47
